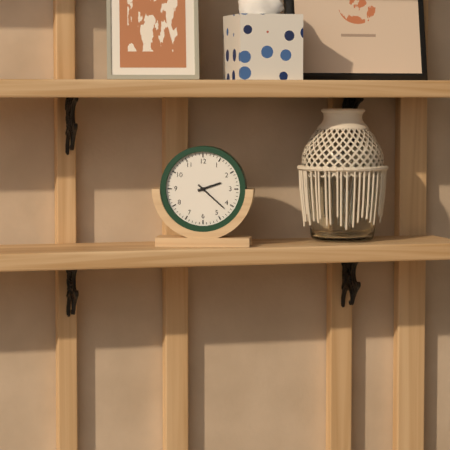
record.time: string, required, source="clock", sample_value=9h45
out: 2h22
